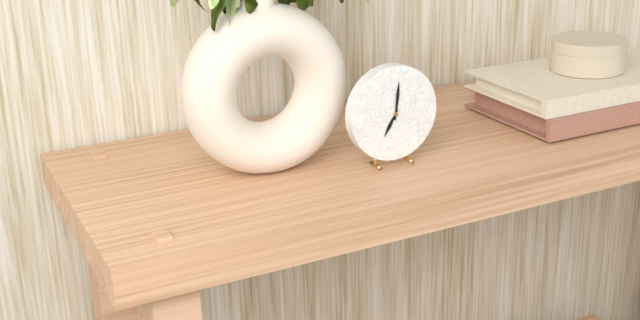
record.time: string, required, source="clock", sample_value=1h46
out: 7h01
